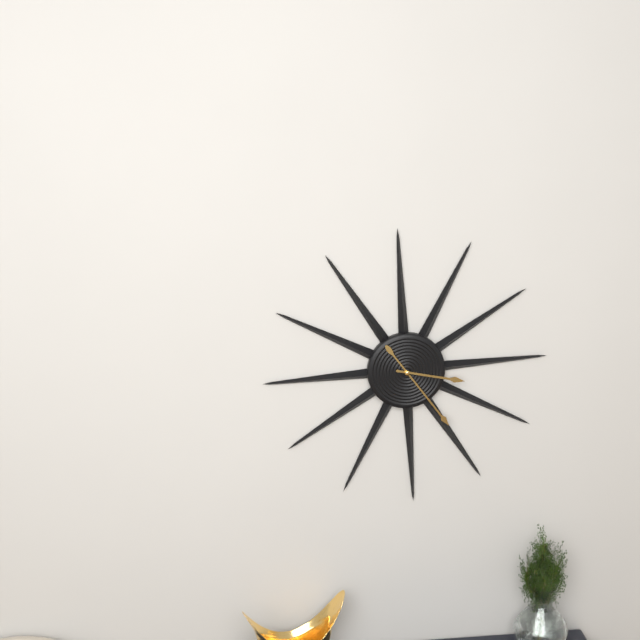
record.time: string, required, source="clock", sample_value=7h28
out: 3h24
